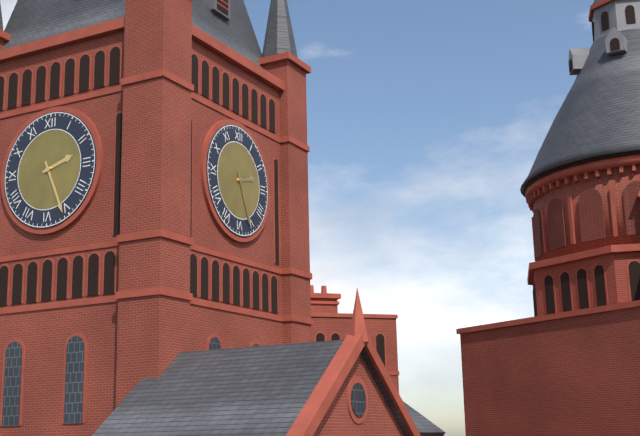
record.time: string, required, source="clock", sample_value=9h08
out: 2h26
